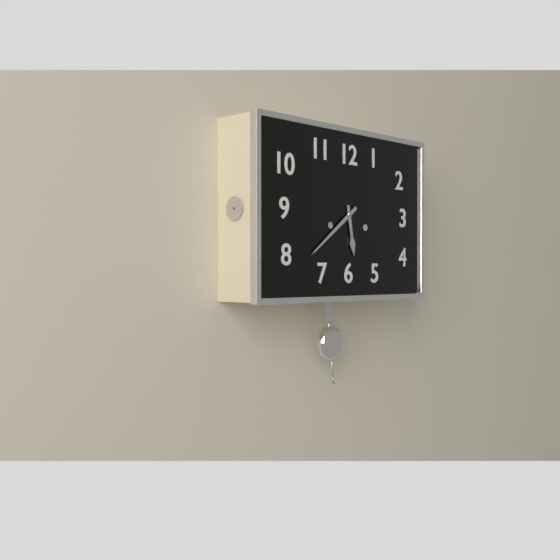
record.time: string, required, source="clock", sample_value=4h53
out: 5h39
